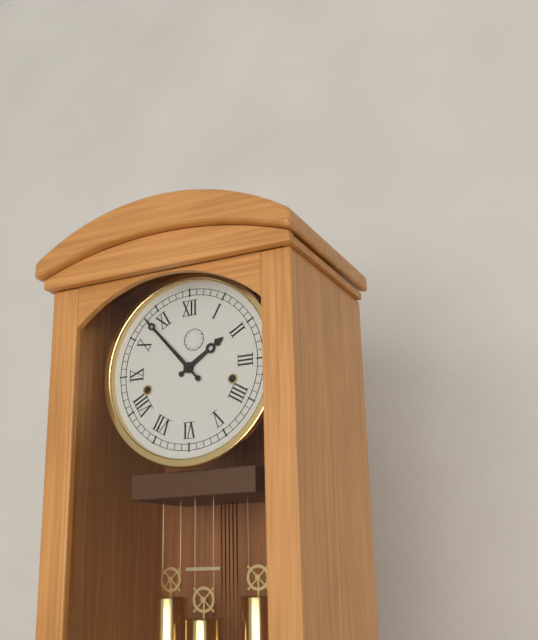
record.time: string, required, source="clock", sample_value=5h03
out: 1h53
